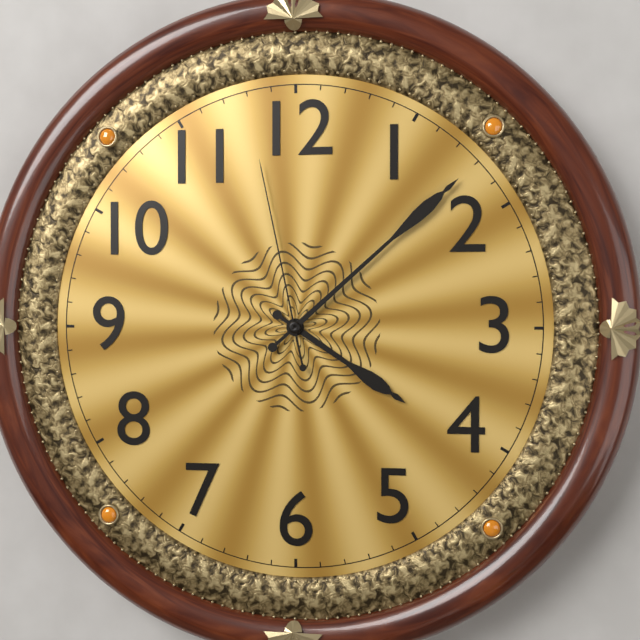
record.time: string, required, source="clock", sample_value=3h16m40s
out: 4h08m58s
